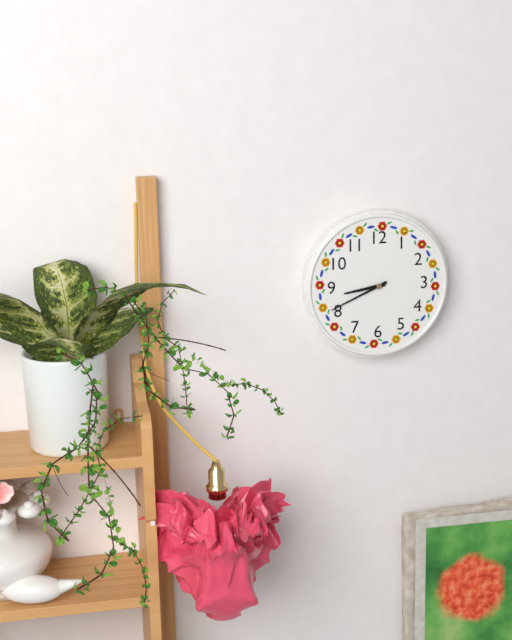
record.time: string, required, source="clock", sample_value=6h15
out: 8h41
